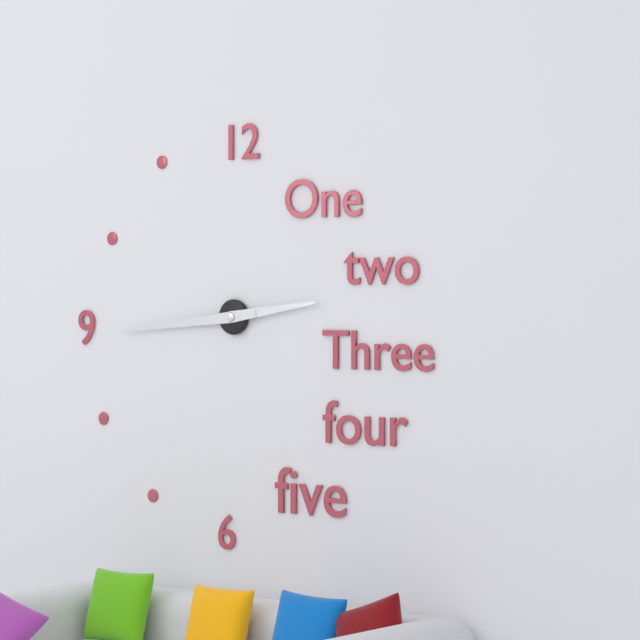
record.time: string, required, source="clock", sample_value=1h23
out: 2h44
